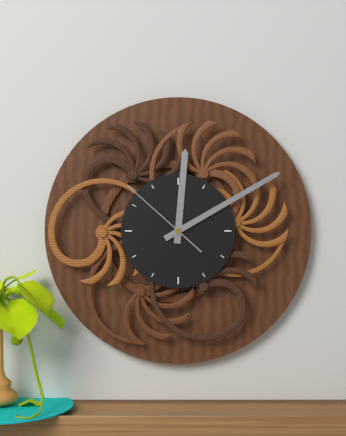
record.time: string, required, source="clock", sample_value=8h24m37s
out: 12h10m52s
